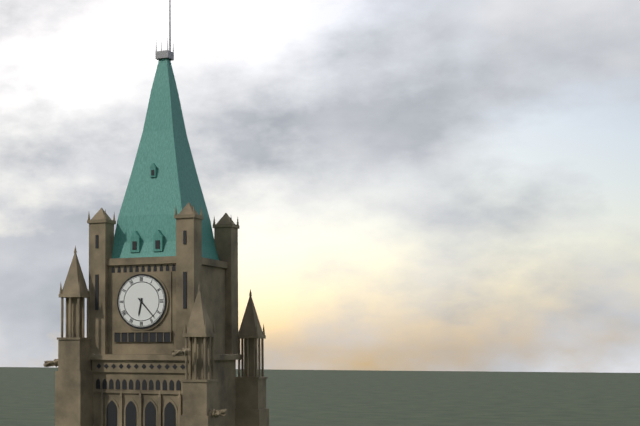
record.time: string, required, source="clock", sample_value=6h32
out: 6h23
